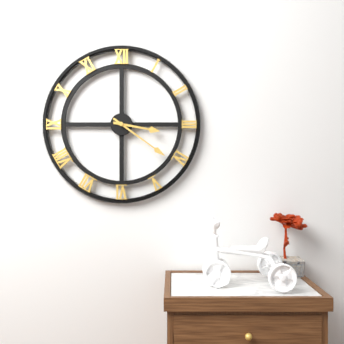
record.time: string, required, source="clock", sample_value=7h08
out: 3h21
